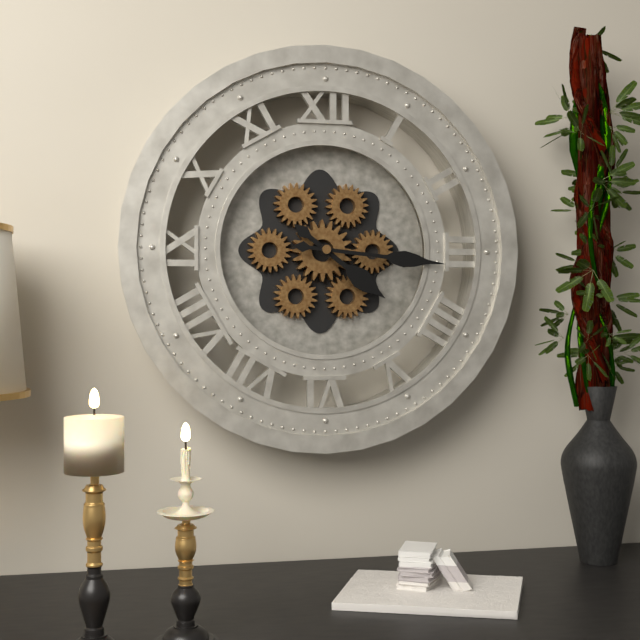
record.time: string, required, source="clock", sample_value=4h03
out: 4h16
